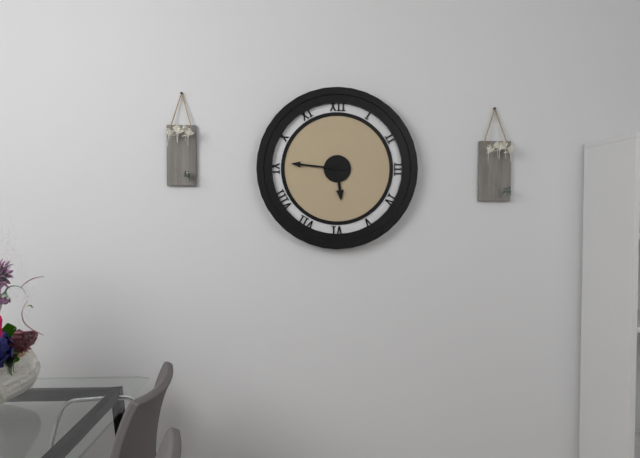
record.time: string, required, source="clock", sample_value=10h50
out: 5h46
